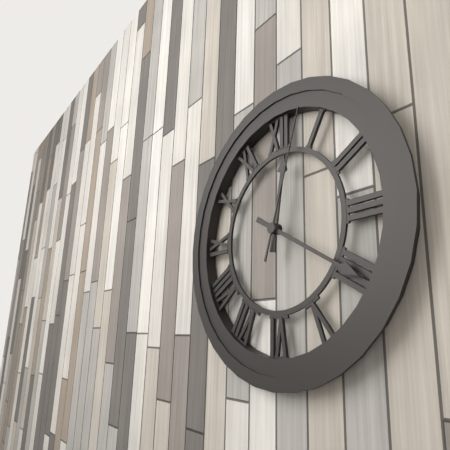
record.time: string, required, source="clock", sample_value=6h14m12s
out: 12h20m03s
